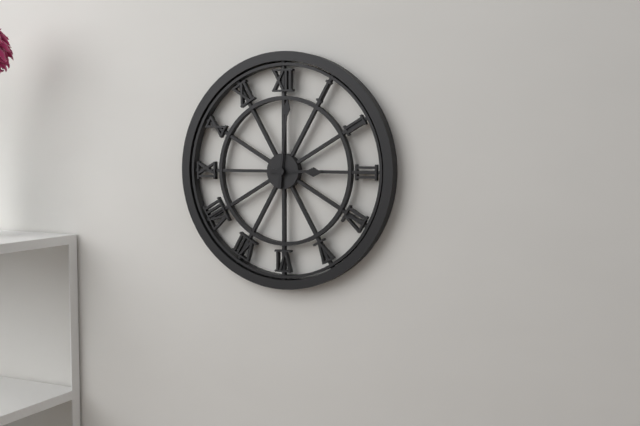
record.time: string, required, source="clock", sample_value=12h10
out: 3h01
